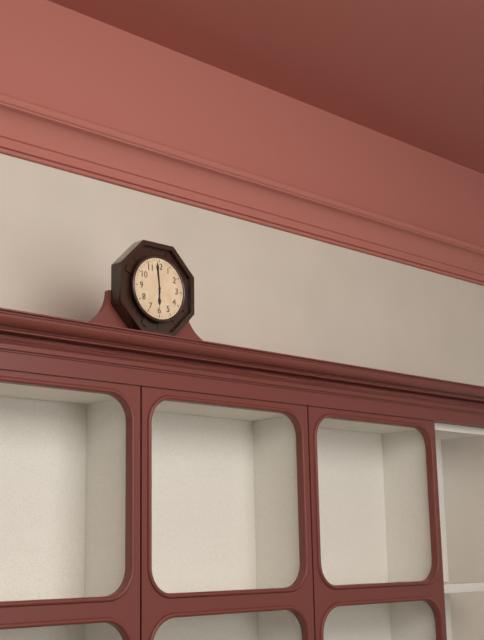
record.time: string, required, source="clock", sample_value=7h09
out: 5h59
